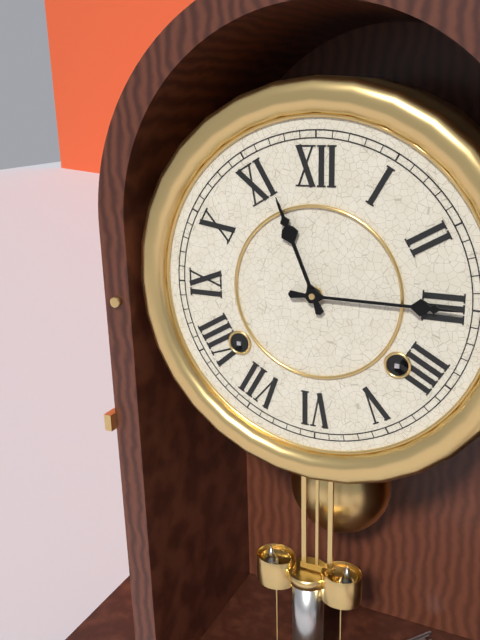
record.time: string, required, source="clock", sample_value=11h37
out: 11h15
